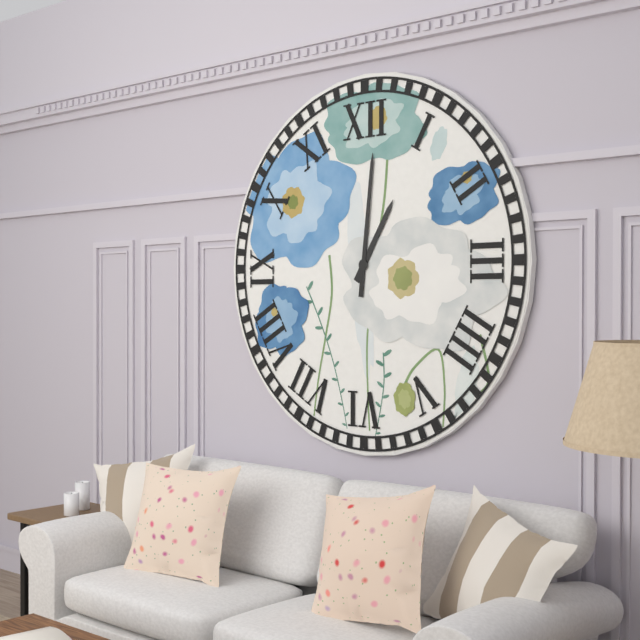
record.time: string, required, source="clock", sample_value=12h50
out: 1h01
